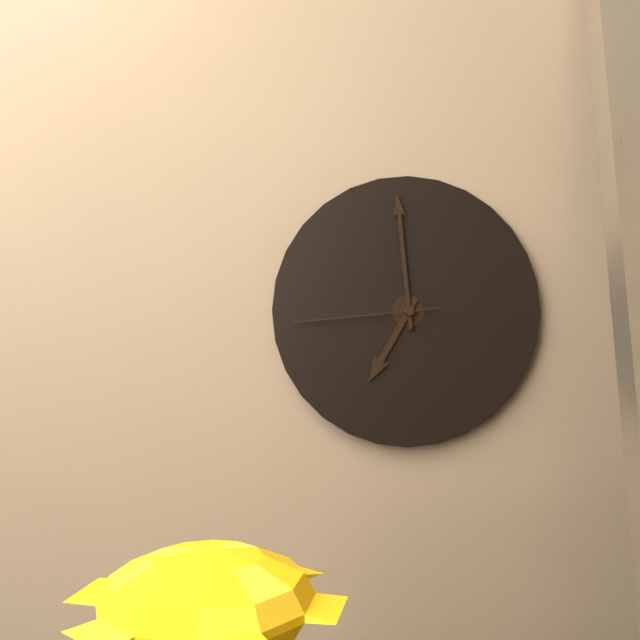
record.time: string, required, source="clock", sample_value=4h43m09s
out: 6h59m44s
